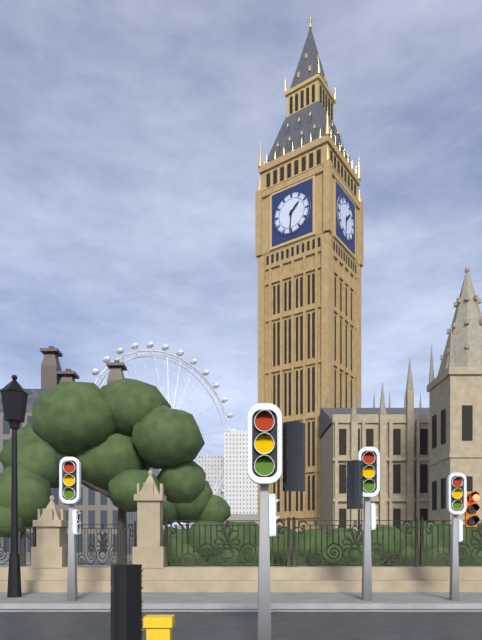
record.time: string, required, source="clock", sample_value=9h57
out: 1h31
